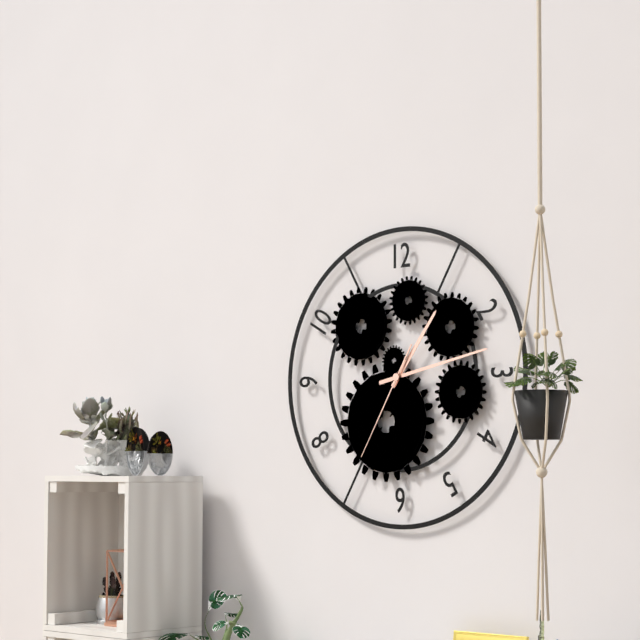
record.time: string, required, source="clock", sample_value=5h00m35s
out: 1h13m35s
